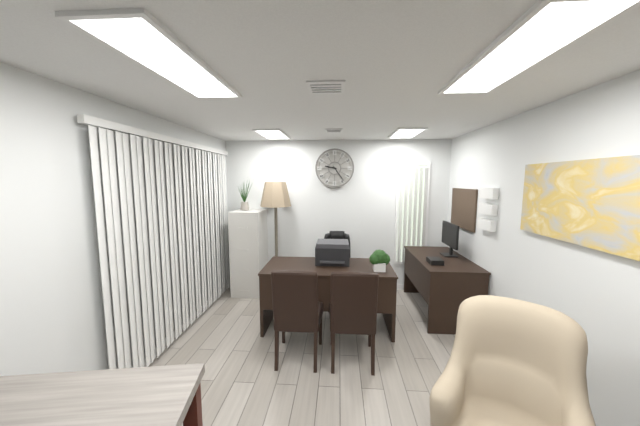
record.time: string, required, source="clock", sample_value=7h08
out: 9h24
